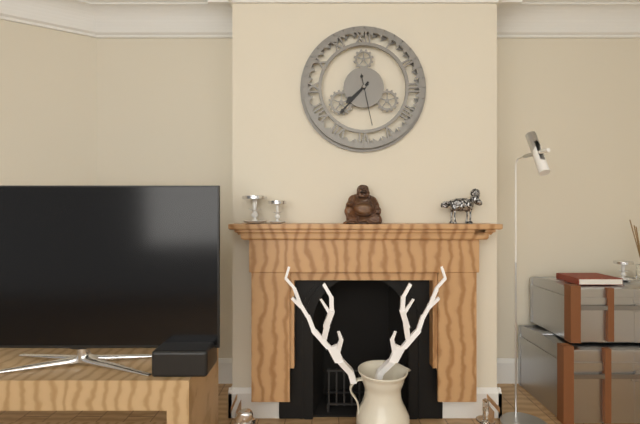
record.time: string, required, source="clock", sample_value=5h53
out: 7h37
